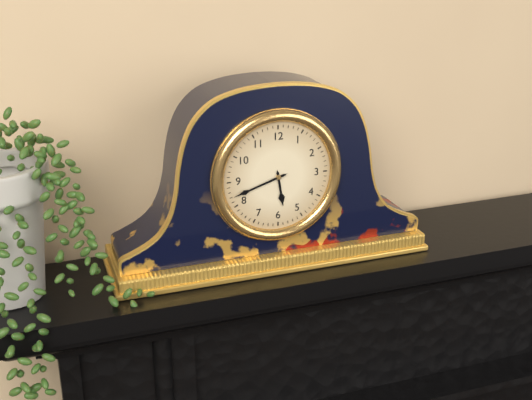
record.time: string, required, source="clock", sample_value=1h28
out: 5h42
